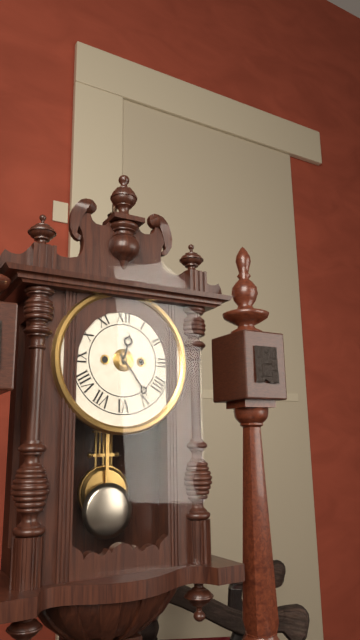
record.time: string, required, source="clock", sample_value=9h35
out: 12h24
